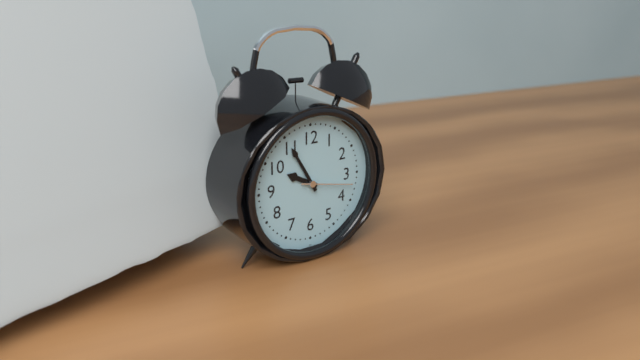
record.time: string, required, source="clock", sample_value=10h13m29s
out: 9h55m17s
